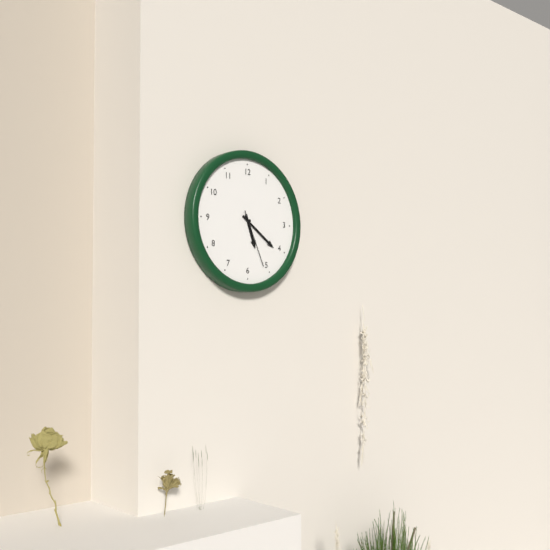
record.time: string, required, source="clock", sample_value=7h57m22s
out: 5h21m26s
